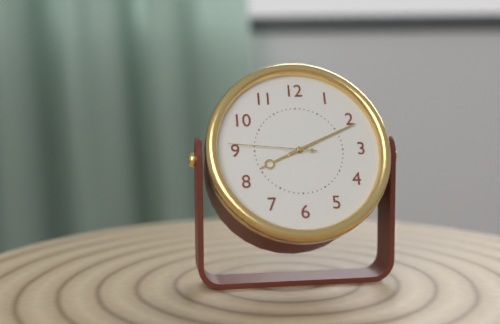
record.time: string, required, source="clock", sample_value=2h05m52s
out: 8h11m46s
